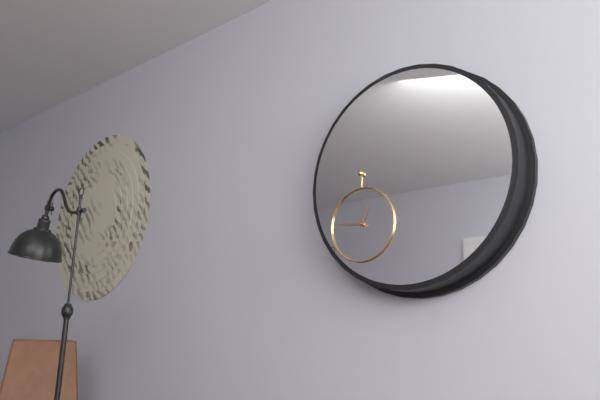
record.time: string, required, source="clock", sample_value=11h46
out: 12h46
